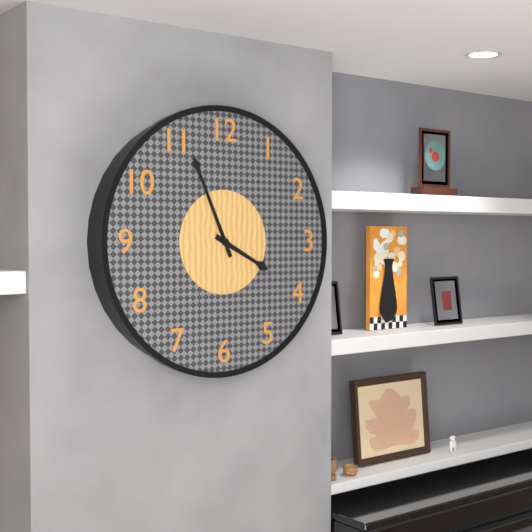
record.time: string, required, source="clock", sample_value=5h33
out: 3h56
